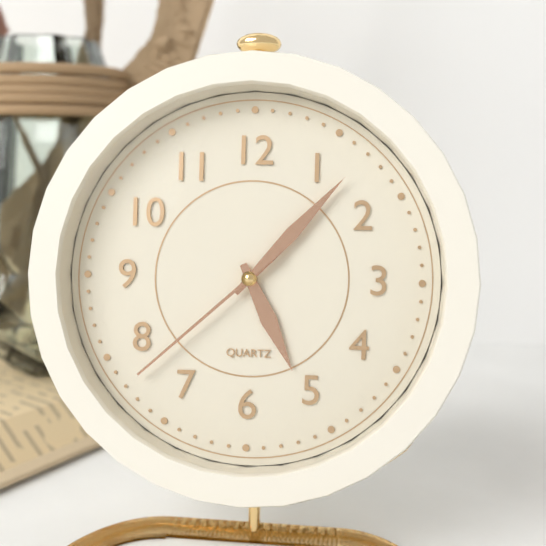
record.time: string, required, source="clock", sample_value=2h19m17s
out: 5h07m38s
